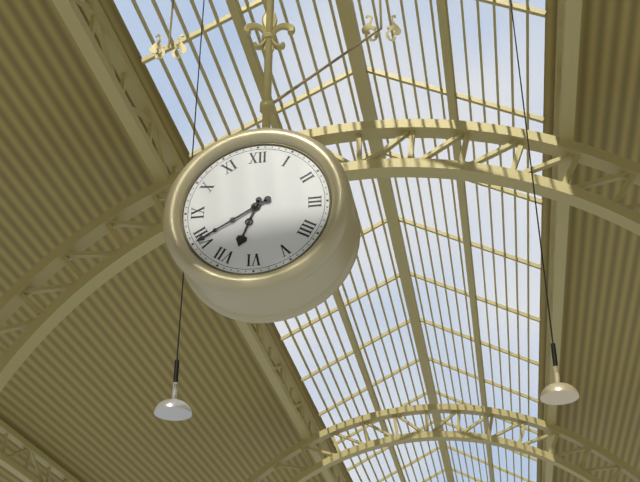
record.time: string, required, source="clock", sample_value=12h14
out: 6h40
